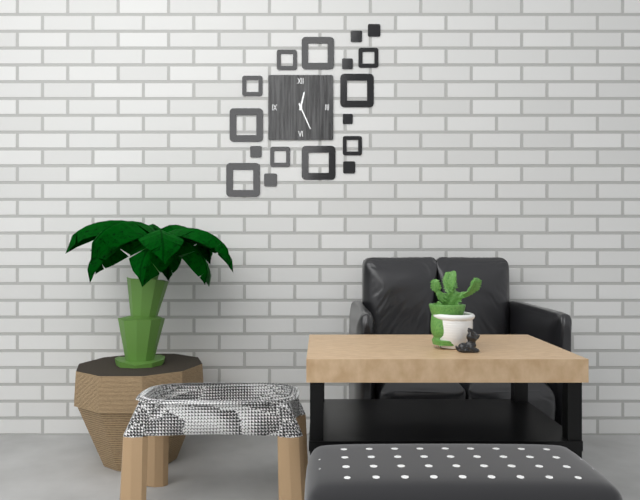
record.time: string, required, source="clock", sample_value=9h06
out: 12h26
